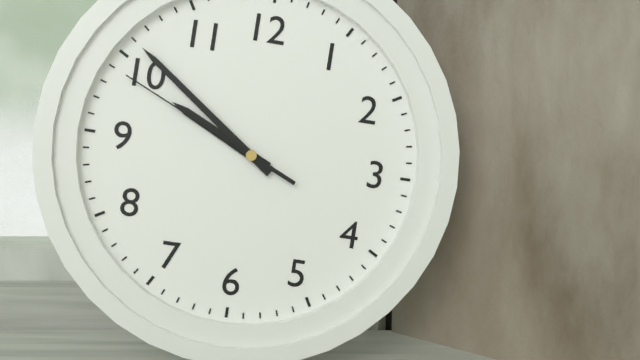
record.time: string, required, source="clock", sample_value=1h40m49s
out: 9h51m49s
